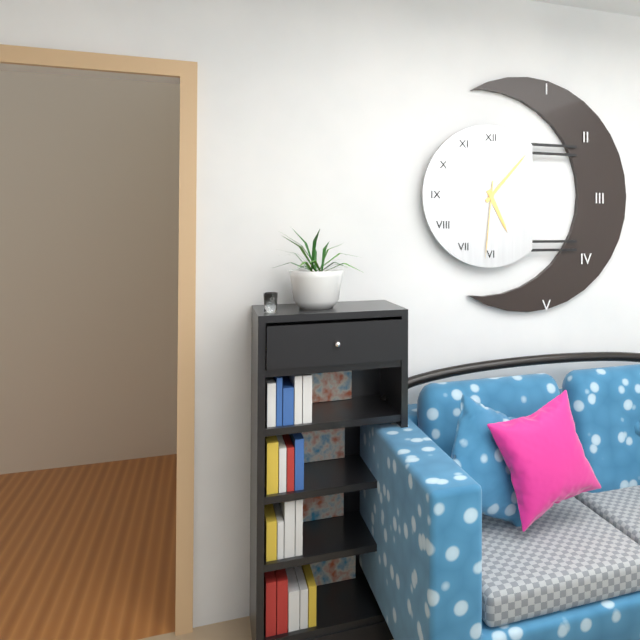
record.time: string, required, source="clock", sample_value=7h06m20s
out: 5h07m31s
